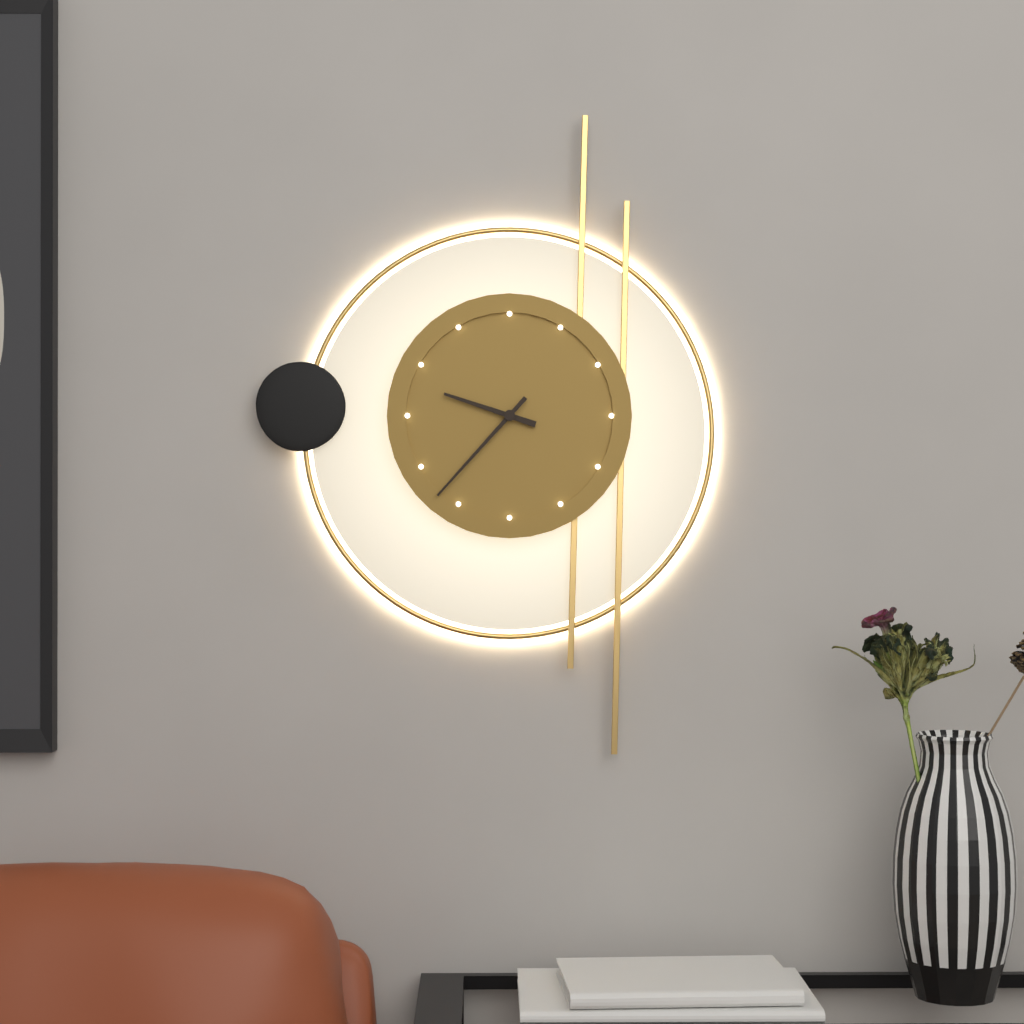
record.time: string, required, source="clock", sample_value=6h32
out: 9h37
